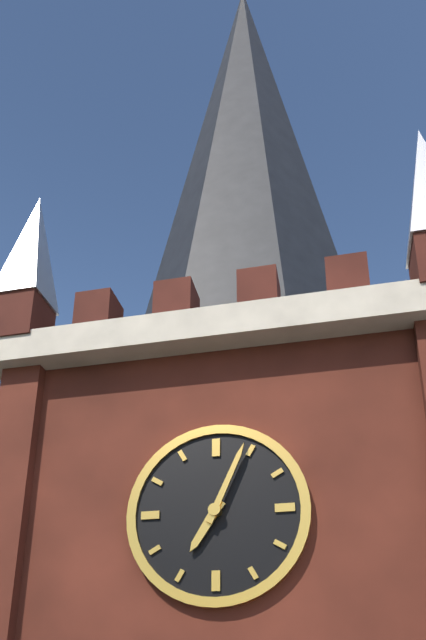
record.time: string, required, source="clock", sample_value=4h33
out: 7h04
